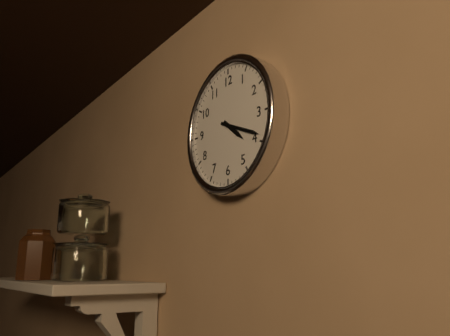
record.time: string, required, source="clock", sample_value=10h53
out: 4h19
